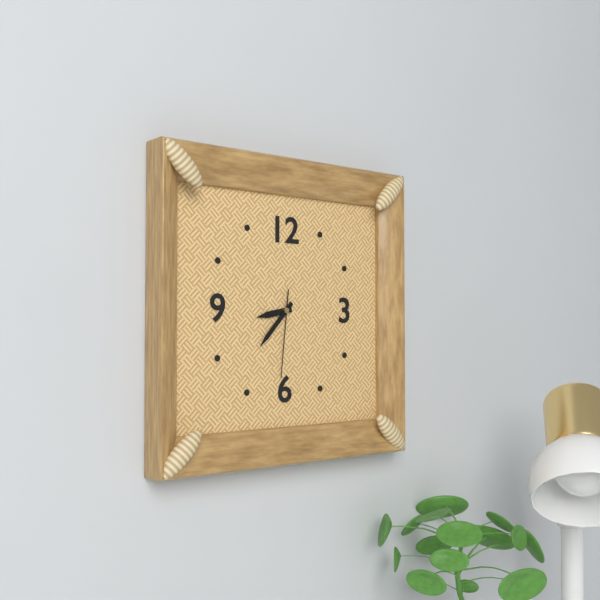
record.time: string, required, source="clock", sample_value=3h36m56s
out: 8h37m31s
